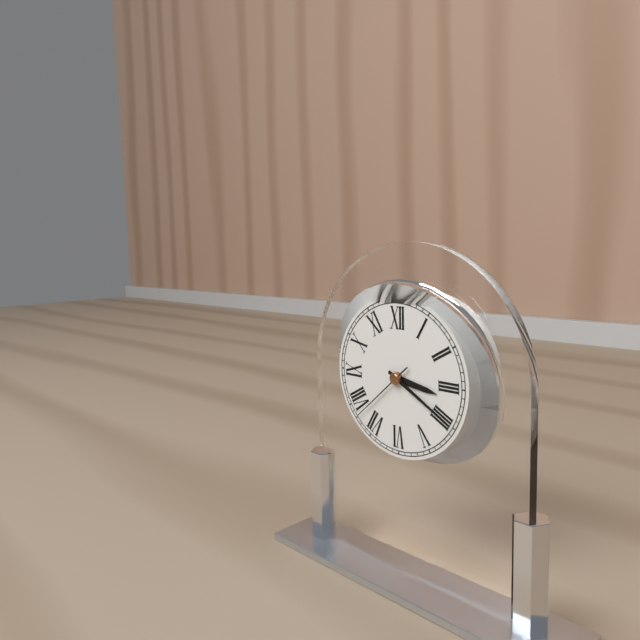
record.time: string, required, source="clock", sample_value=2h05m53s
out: 3h20m38s
